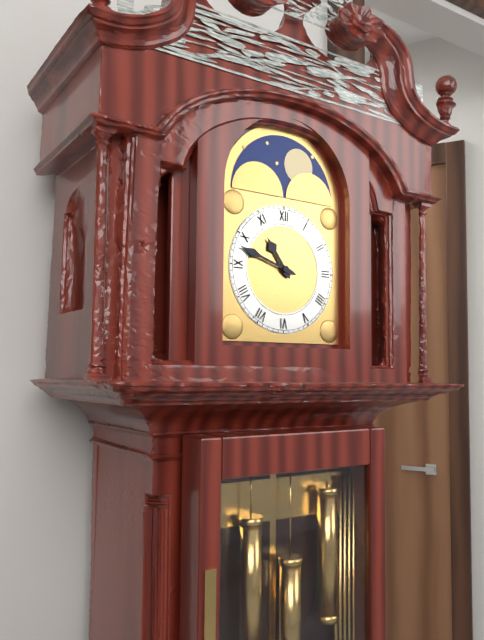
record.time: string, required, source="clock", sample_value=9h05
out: 10h48
